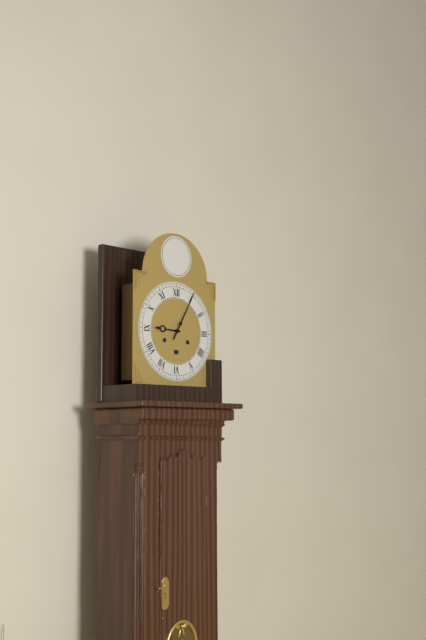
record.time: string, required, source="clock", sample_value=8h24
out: 9h05
